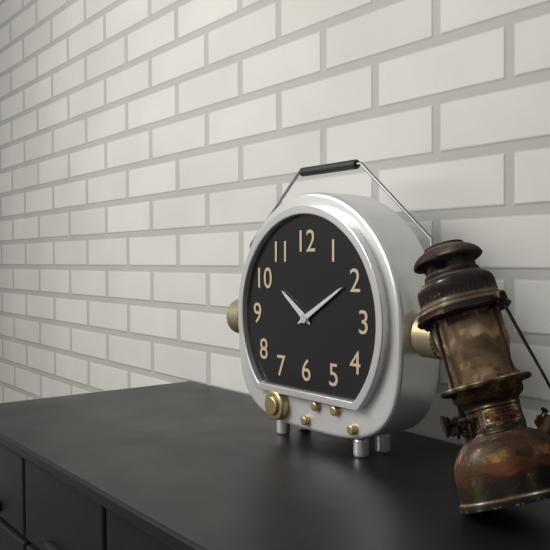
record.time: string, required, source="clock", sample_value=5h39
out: 10h10
